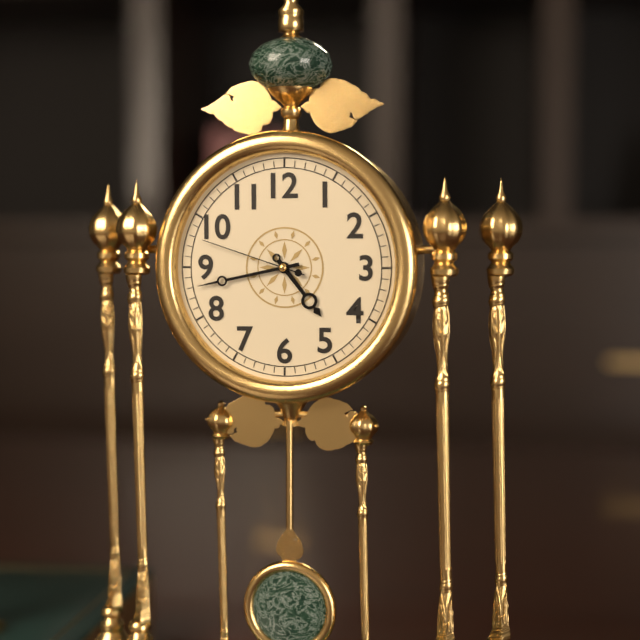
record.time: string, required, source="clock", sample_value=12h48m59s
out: 4h43m48s
